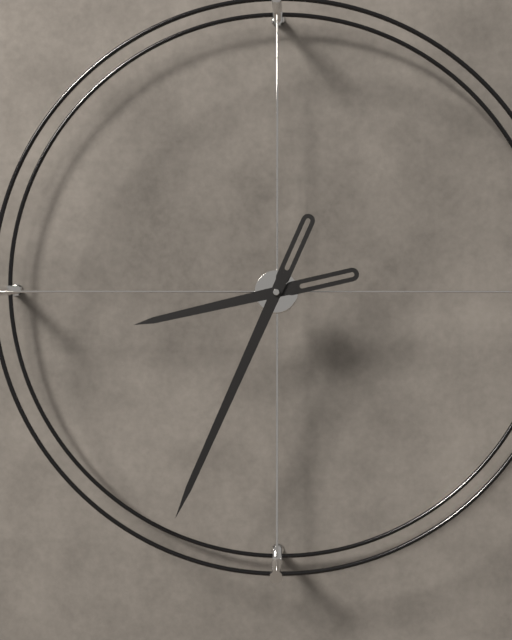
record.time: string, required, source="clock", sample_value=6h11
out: 8h34
